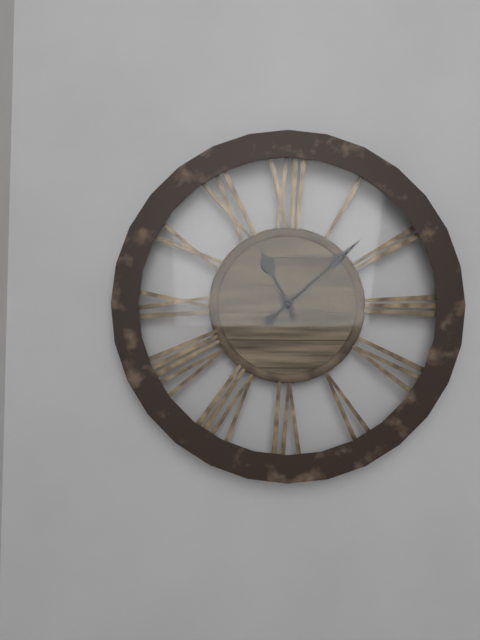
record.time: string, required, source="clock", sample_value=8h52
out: 11h08
